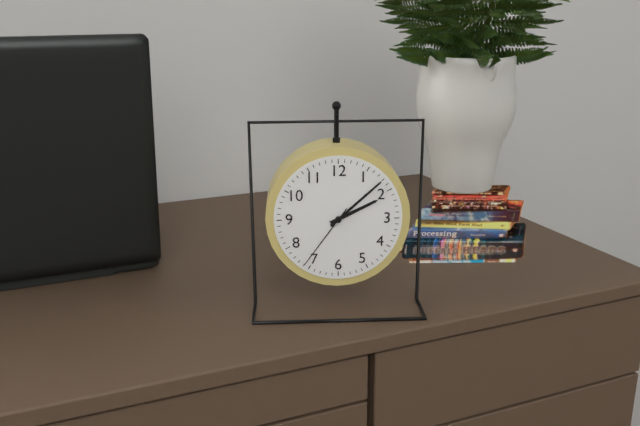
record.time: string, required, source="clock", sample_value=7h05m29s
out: 2h08m36s
